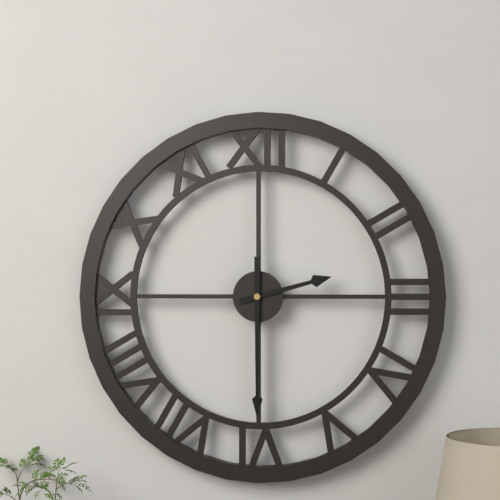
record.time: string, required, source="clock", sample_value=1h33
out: 2h30
